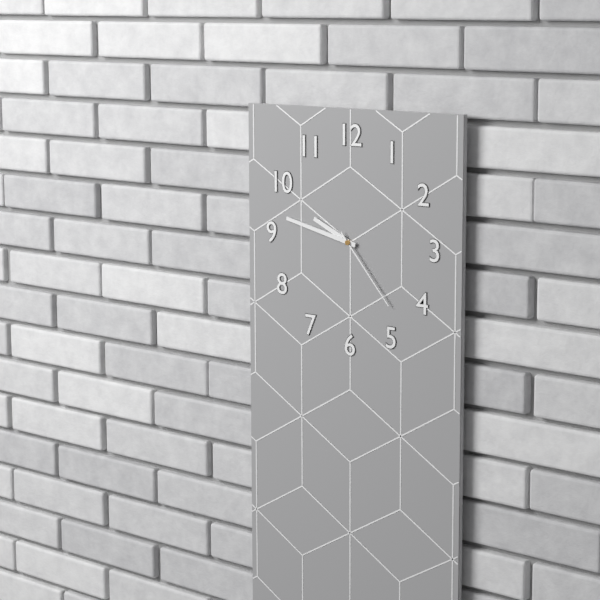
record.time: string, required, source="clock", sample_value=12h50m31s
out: 9h47m23s
